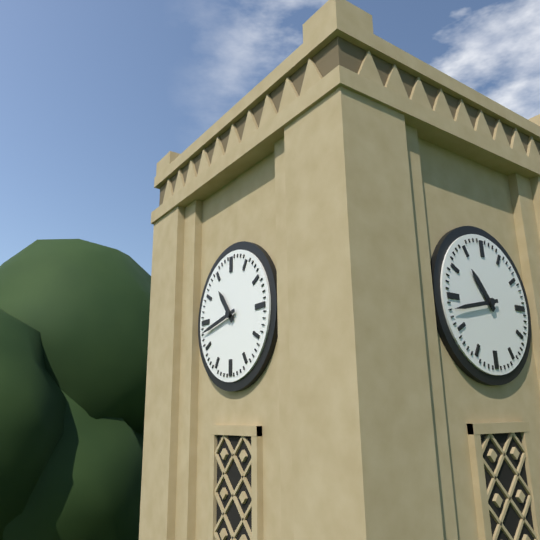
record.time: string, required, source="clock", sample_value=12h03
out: 10h43
